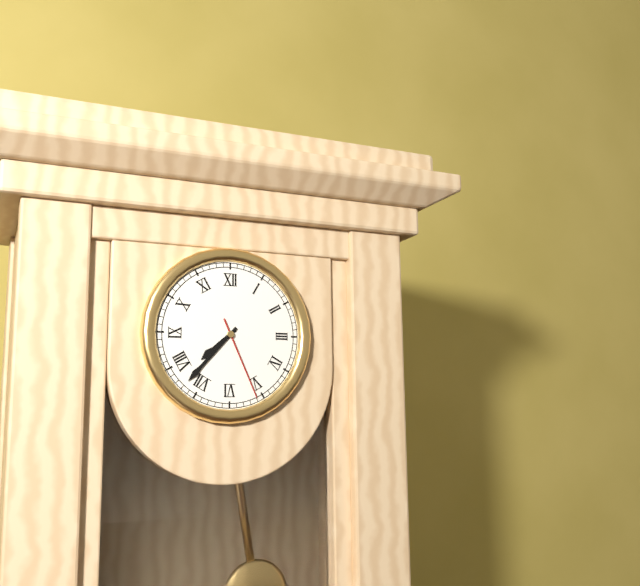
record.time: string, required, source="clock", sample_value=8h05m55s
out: 7h37m26s
